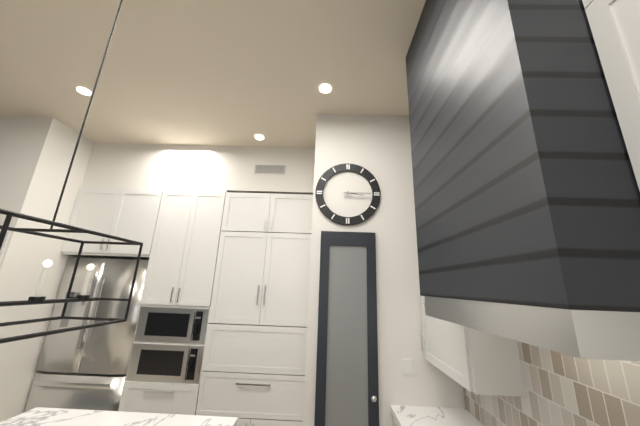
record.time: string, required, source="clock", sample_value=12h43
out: 3h15
